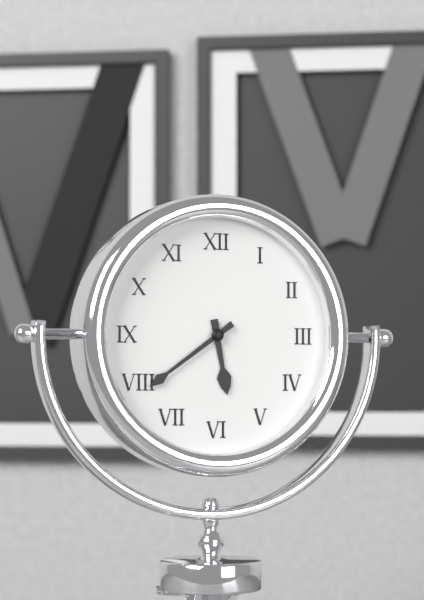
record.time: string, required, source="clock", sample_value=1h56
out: 5h39
